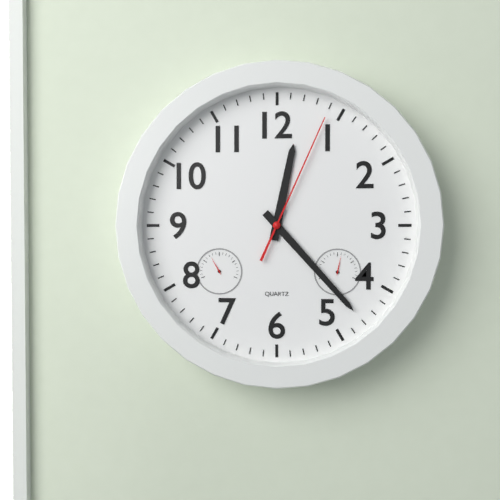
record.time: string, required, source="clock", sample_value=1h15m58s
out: 12h23m04s
